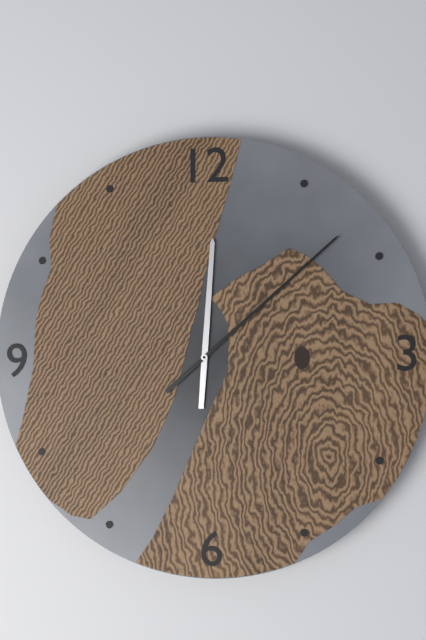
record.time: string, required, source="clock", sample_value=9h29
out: 12h08
